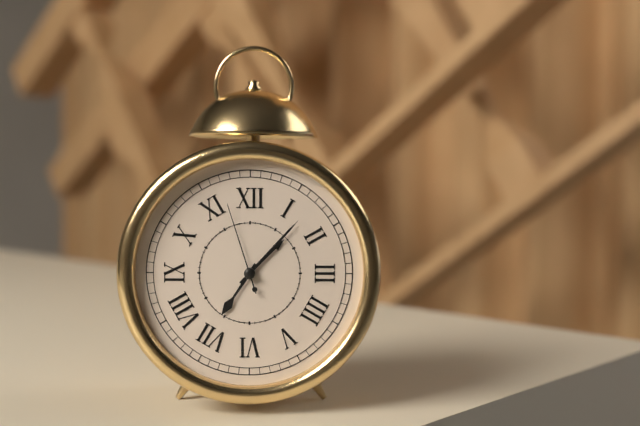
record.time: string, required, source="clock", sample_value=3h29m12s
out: 7h07m57s
